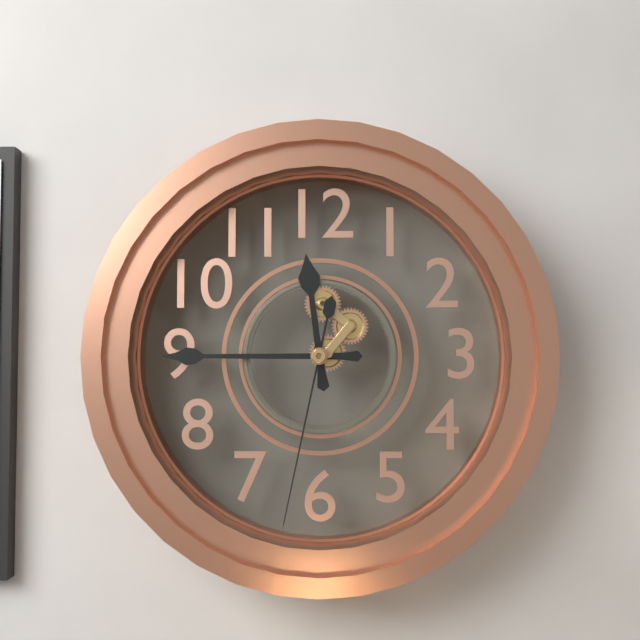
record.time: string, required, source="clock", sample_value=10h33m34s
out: 11h45m32s
